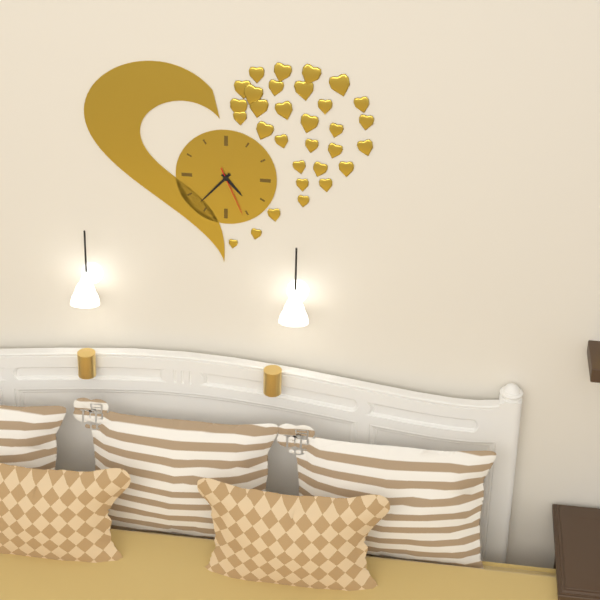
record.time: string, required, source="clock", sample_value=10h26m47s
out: 4h37m26s
